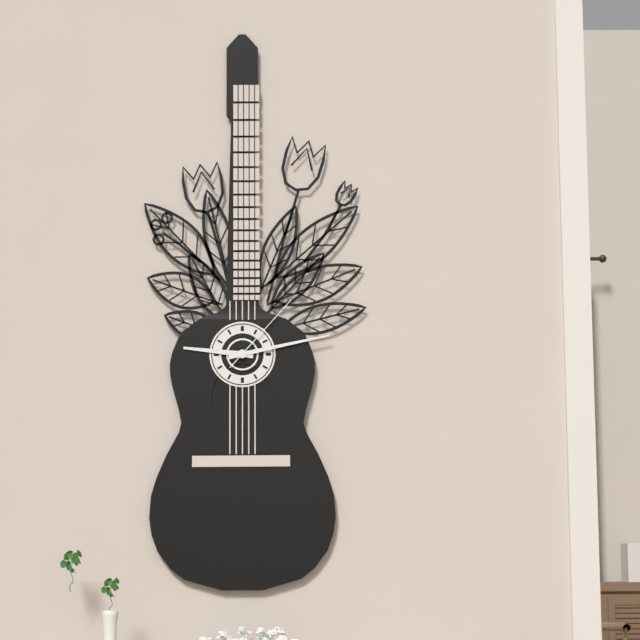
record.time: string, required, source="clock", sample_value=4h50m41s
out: 9h13m07s
